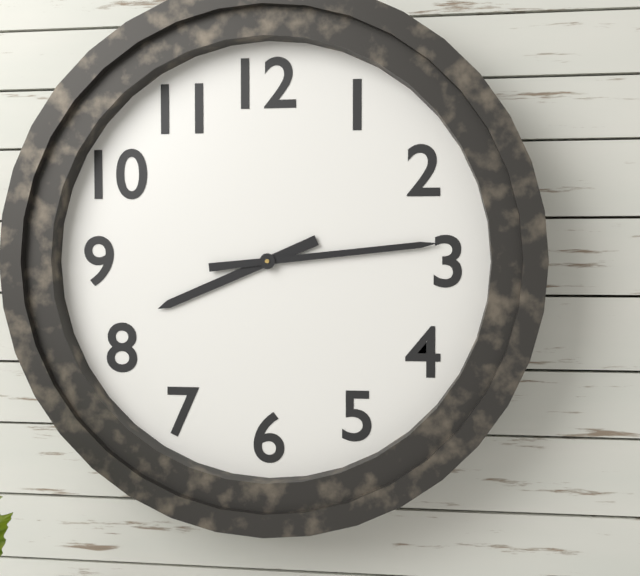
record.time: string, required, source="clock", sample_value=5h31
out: 8h14
